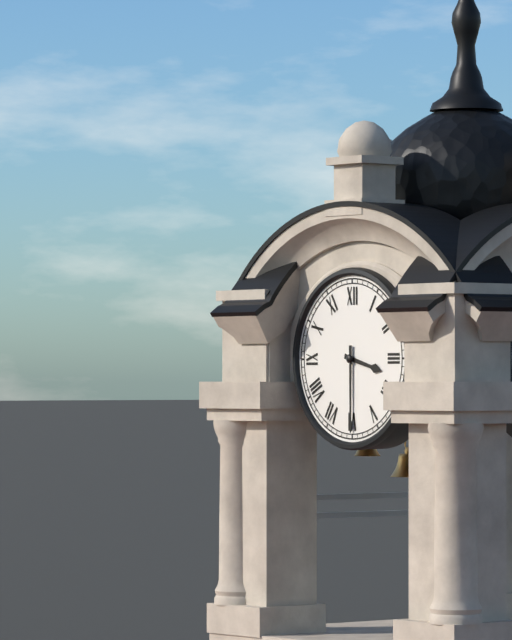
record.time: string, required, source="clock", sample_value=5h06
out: 3h30
